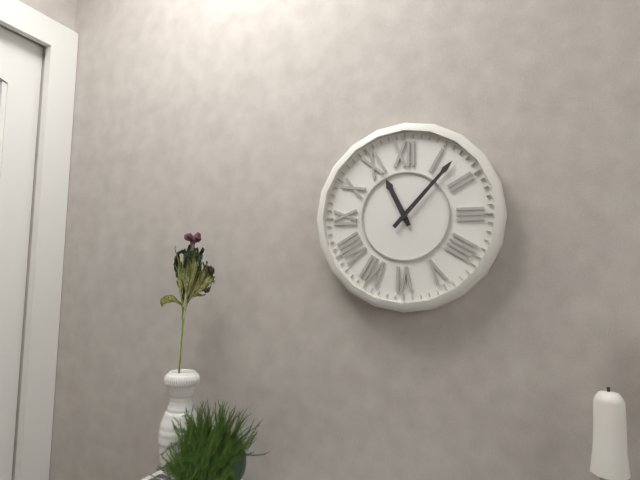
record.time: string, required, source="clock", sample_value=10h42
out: 11h07
